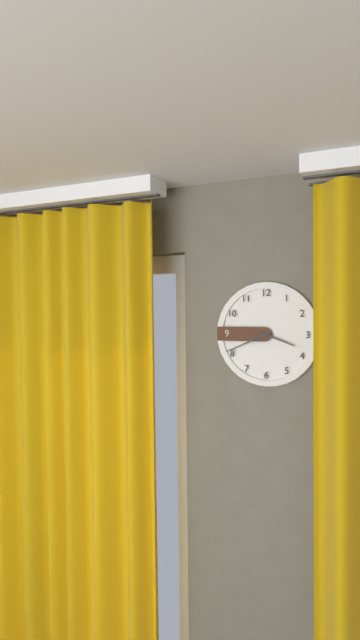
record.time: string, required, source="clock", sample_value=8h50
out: 3h41
